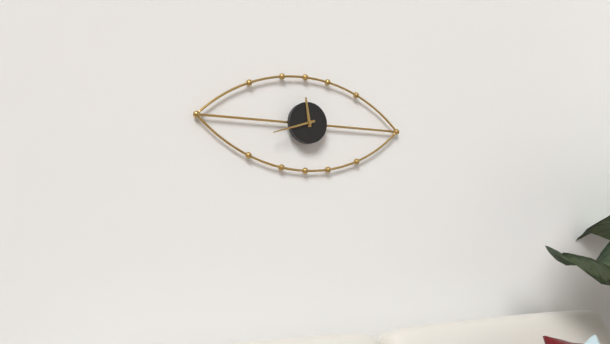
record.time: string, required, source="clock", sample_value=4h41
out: 11h42
